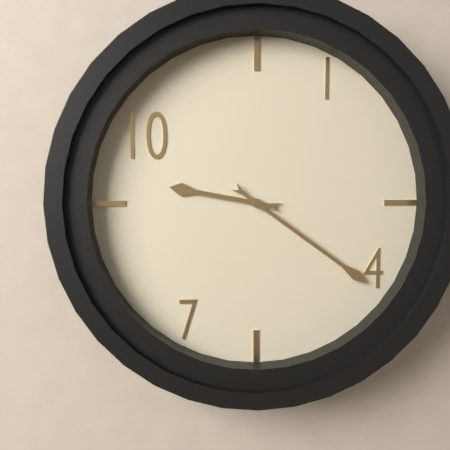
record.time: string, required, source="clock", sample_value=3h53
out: 9h21
